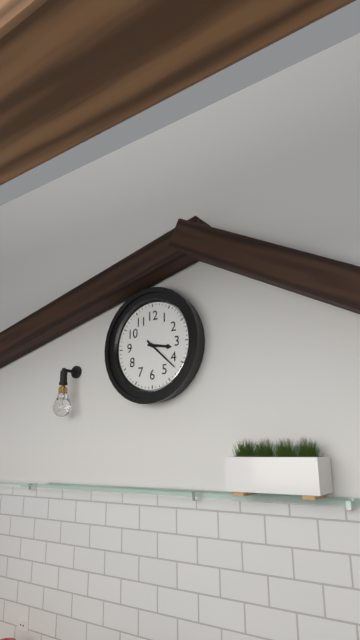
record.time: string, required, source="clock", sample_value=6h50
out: 3h22
